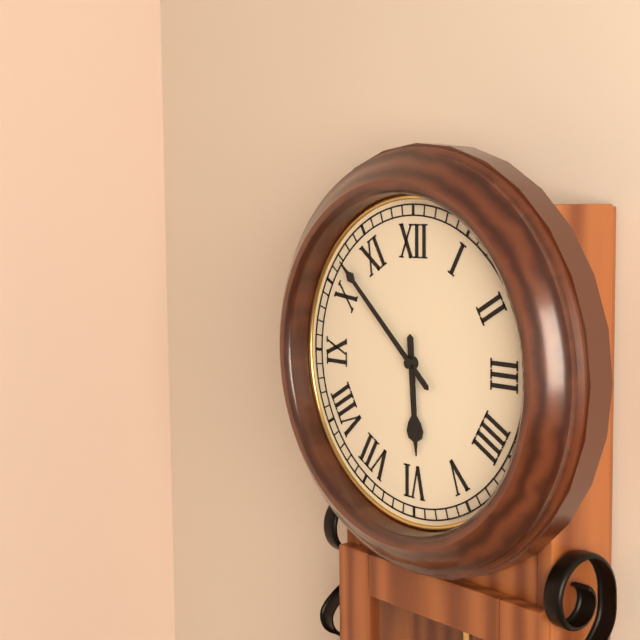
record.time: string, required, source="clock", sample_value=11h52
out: 5h52
